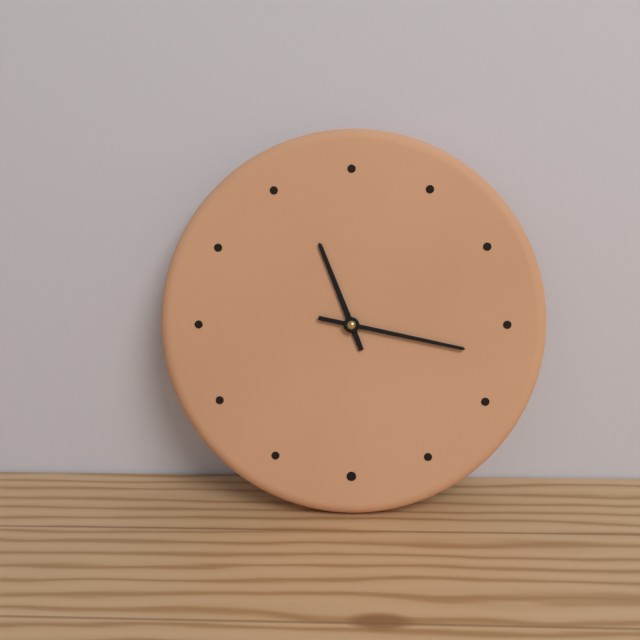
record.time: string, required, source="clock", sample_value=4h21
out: 11h17
